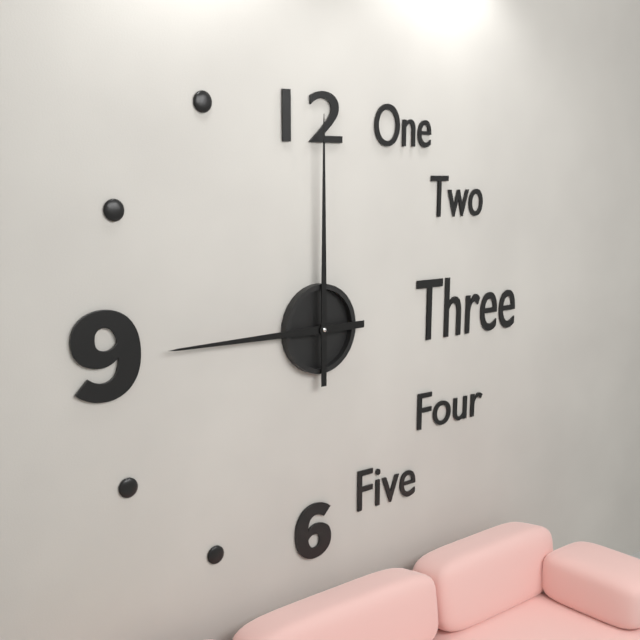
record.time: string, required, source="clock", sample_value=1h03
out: 9h00
